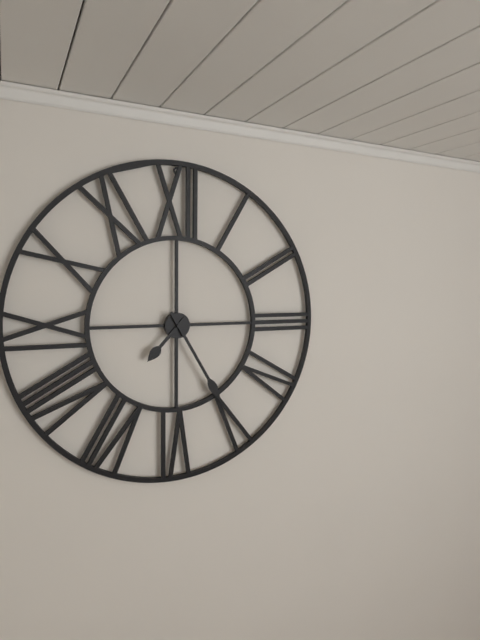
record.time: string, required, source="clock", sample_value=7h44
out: 7h25
